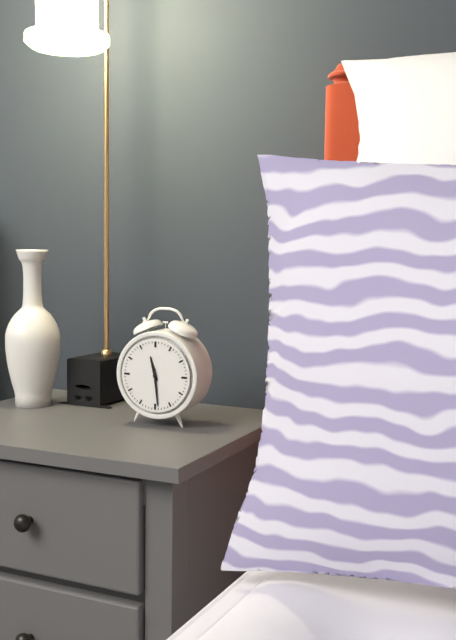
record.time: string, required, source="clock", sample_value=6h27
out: 11h29
